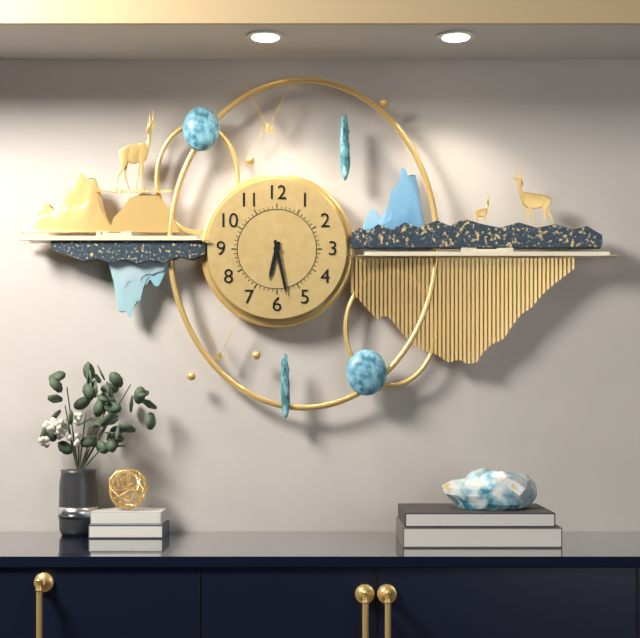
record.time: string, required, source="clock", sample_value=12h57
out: 6h28
